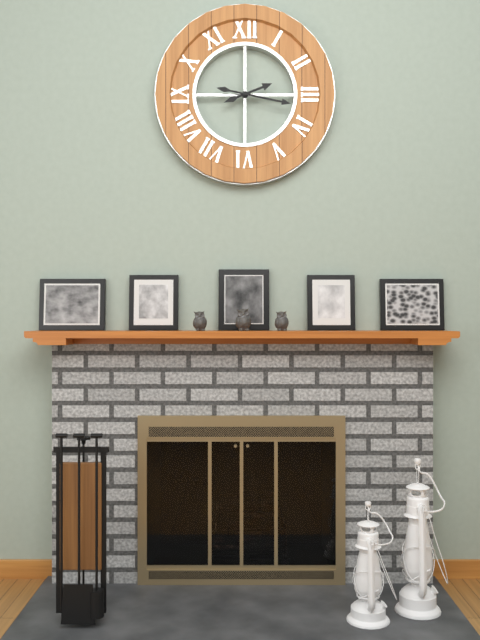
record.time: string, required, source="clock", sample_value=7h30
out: 2h17
